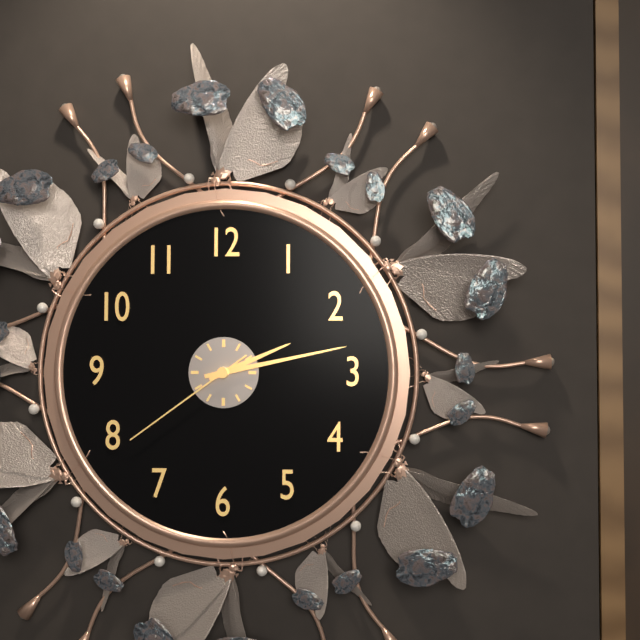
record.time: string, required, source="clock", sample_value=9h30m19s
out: 2h13m39s
